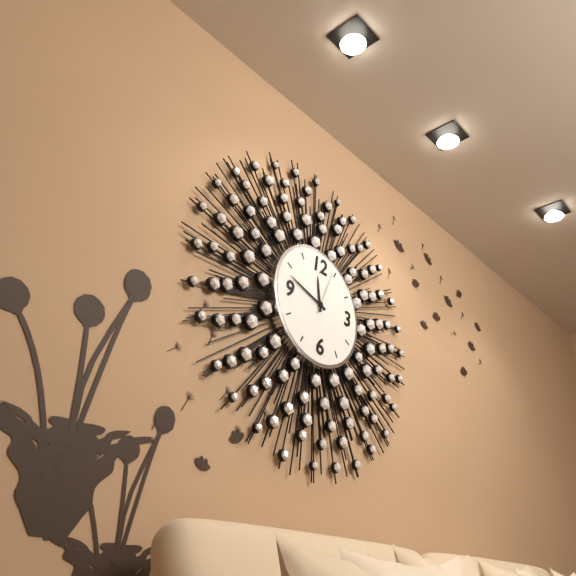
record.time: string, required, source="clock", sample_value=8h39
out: 11h48
